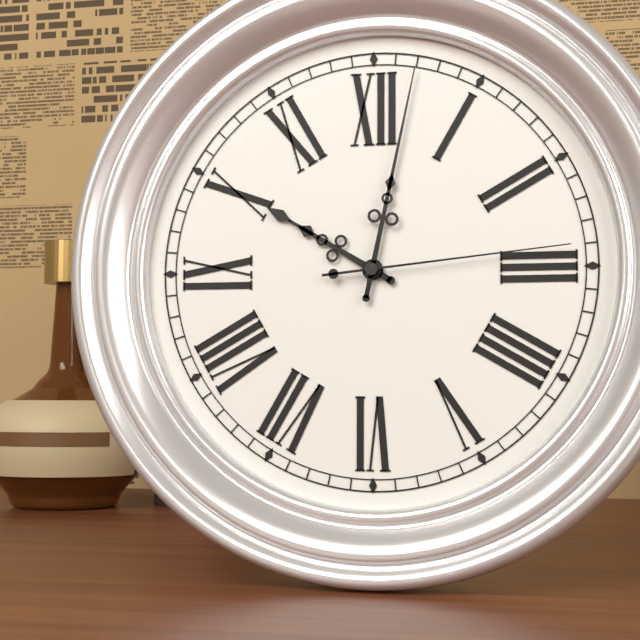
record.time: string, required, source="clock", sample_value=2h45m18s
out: 10h02m14s
